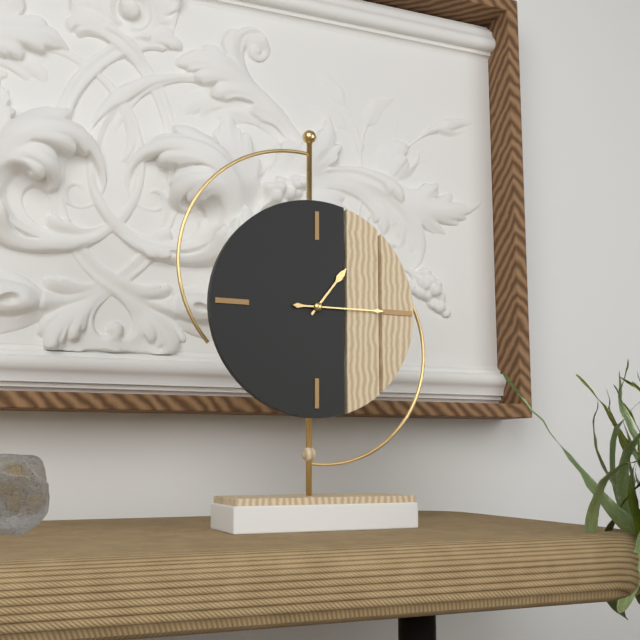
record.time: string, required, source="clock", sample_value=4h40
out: 1h15
